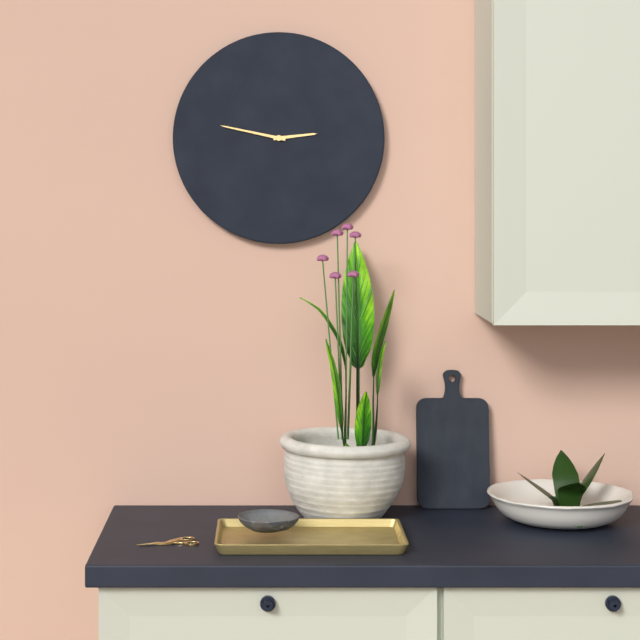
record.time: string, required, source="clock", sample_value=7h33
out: 2h47
